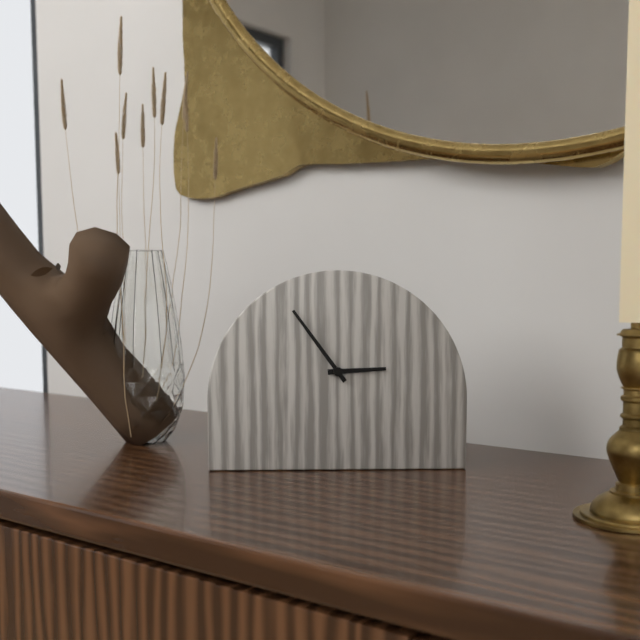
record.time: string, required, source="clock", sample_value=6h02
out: 2h54
